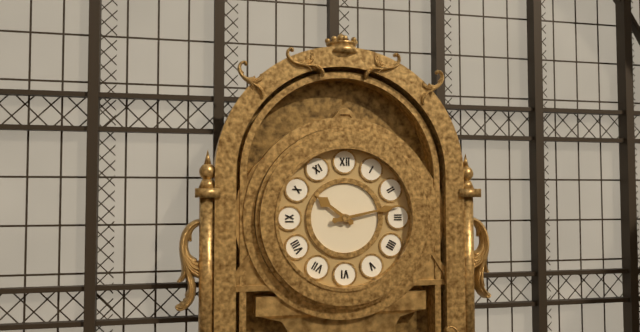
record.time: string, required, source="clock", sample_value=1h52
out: 10h13
